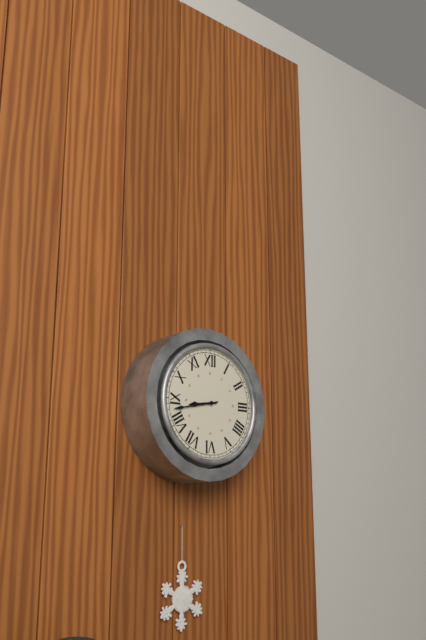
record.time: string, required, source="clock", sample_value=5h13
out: 8h43
